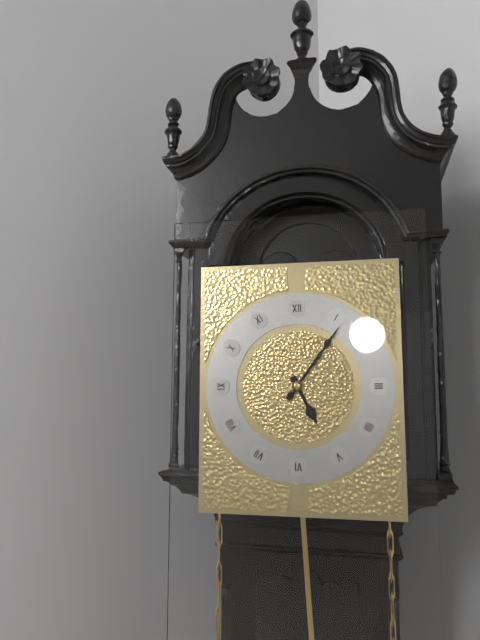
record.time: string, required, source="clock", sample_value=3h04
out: 5h06
